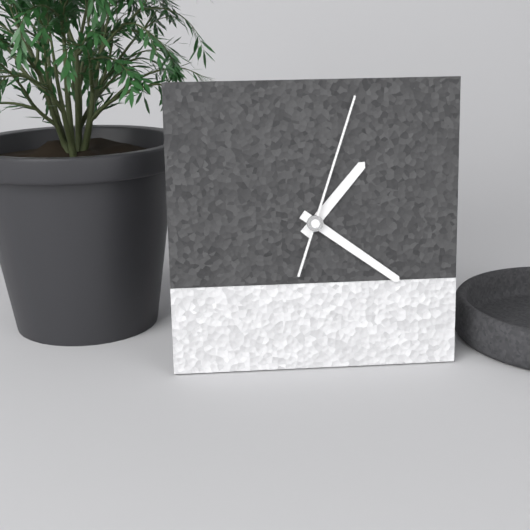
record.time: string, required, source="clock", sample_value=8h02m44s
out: 1h21m03s
